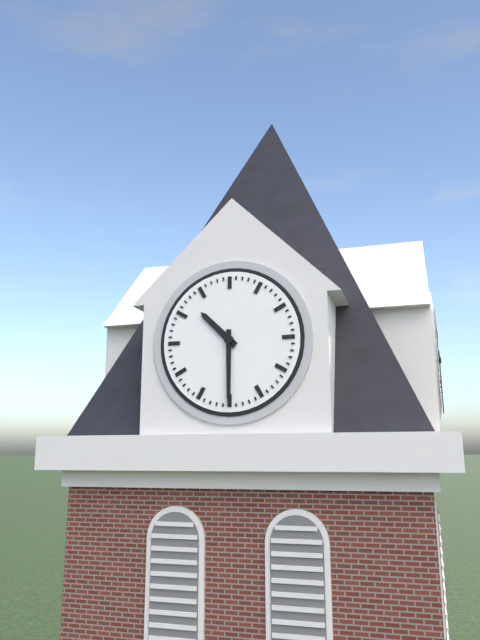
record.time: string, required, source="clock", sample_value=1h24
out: 10h30
